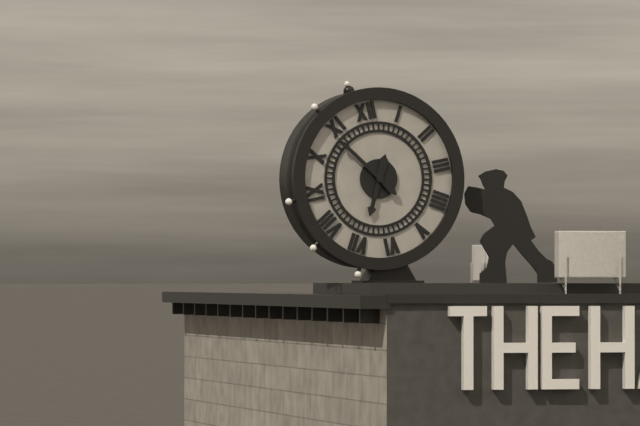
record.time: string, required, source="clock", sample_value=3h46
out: 6h54
